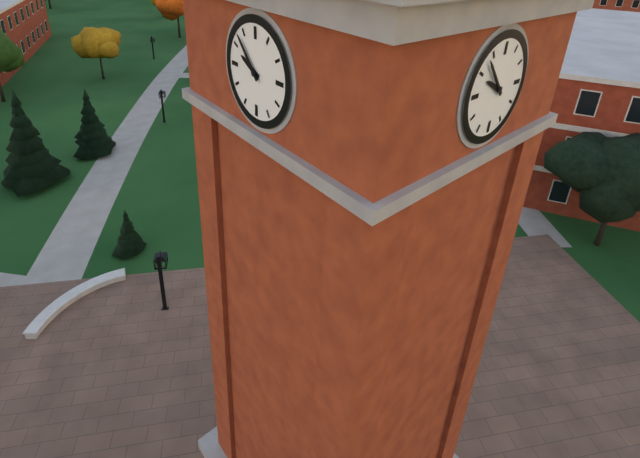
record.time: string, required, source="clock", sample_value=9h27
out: 9h53
